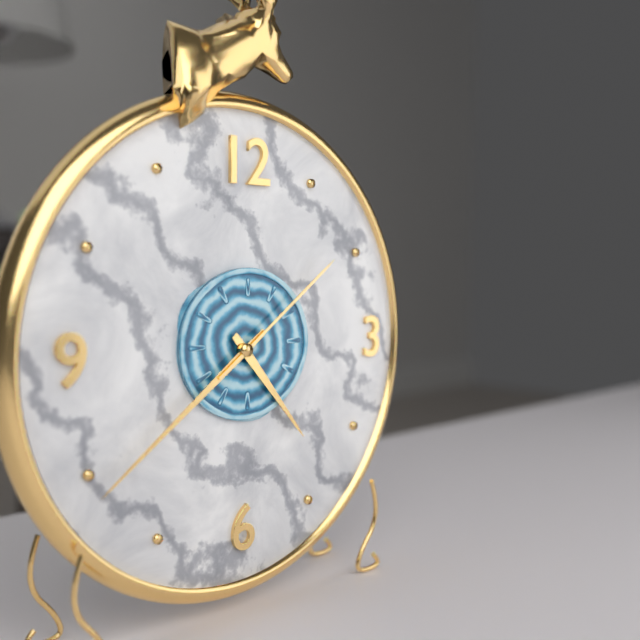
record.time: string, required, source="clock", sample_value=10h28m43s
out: 4h39m09s
